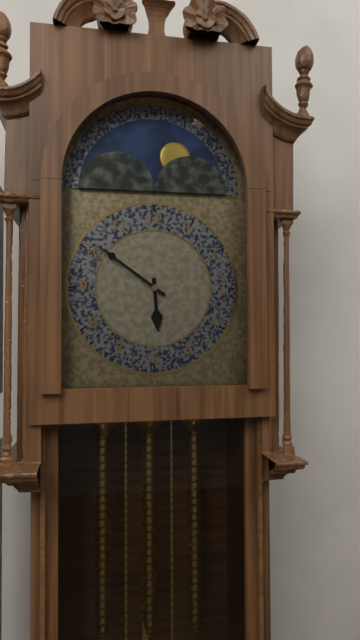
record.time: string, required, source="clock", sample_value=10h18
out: 5h51
